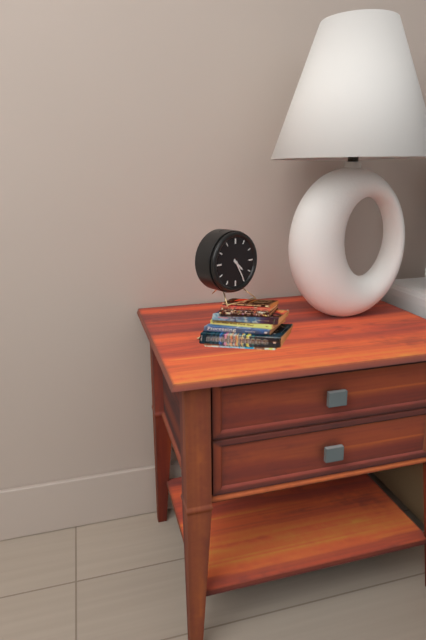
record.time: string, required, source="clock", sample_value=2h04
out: 4h25
